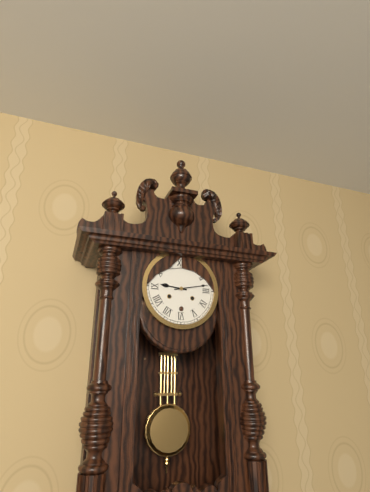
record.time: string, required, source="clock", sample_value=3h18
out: 9h13
